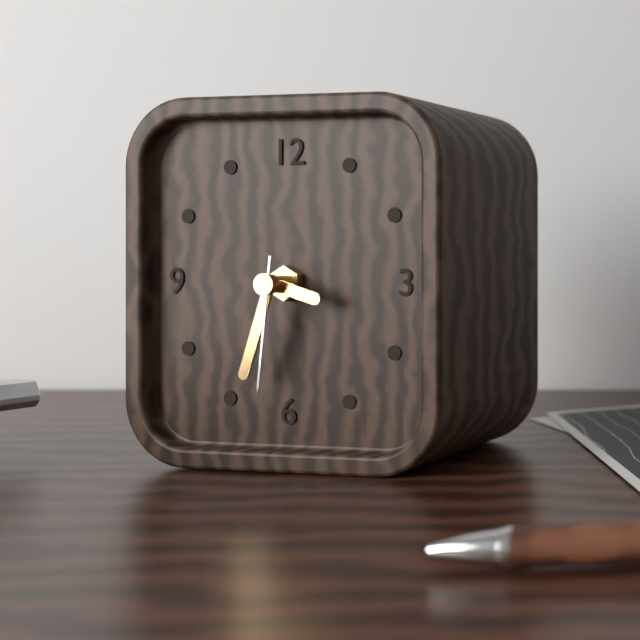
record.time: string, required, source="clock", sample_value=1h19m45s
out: 3h33m31s
